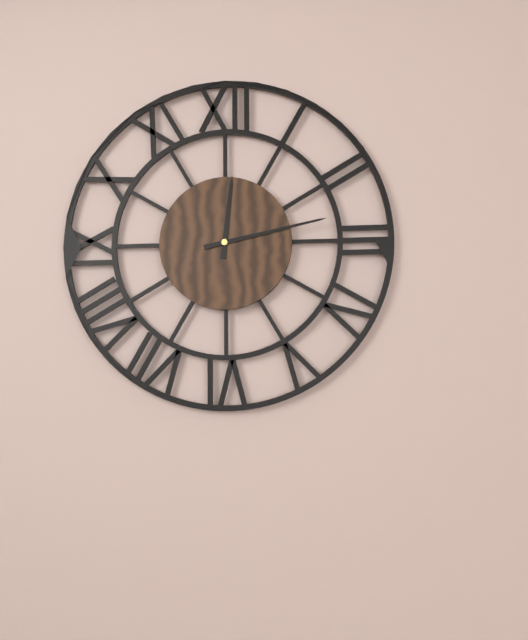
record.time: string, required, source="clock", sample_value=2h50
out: 12h13
